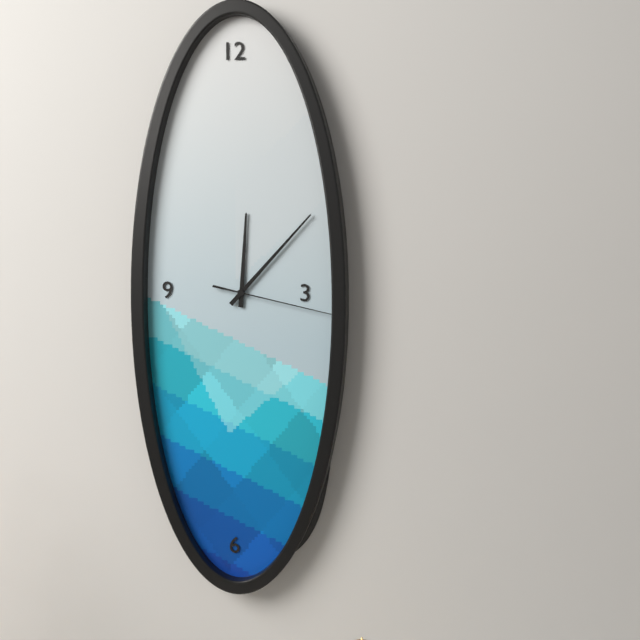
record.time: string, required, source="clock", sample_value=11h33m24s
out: 12h07m17s
